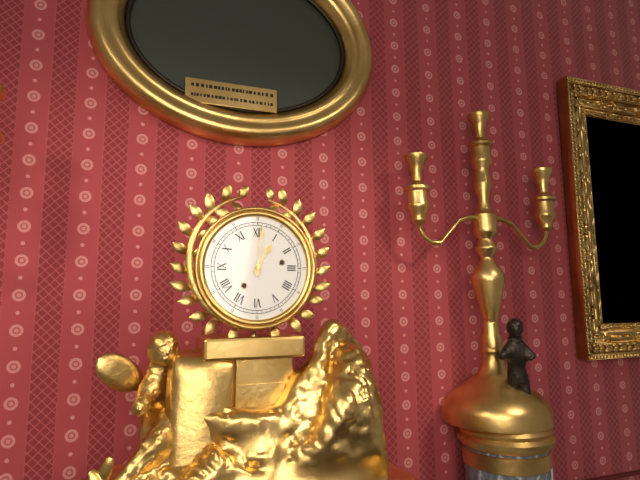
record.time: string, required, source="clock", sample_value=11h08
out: 1h01
